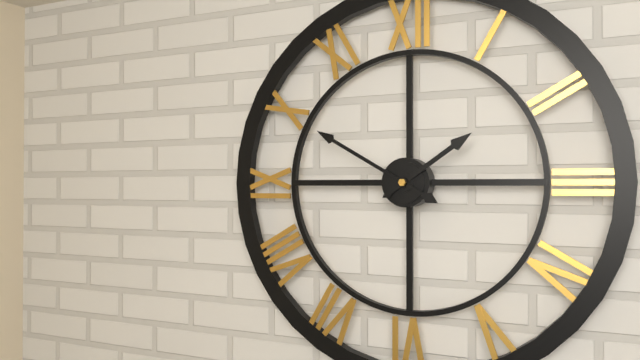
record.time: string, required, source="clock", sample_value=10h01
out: 1h50
